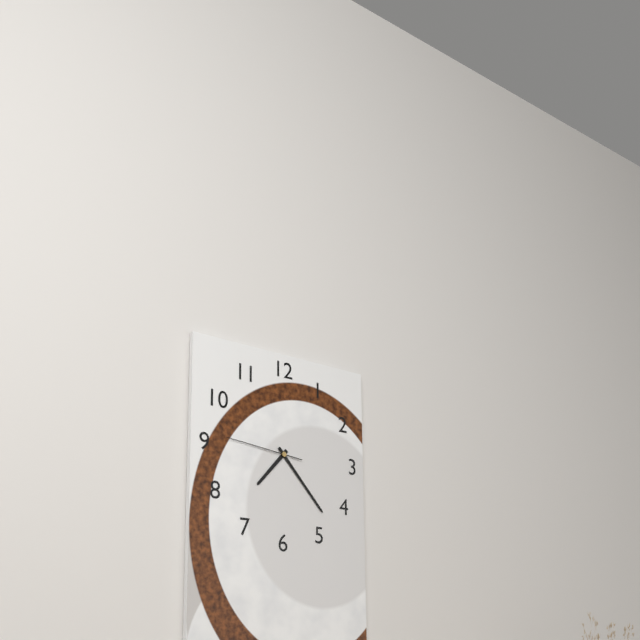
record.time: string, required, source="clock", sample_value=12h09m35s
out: 7h23m46s
